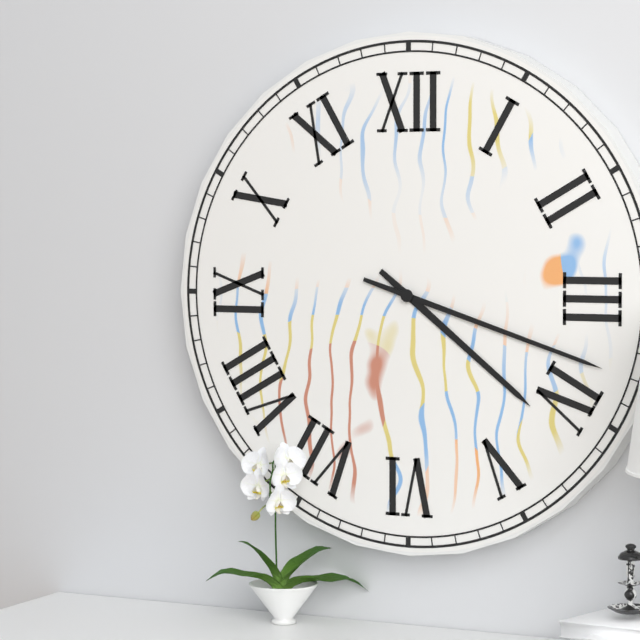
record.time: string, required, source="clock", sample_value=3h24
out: 4h18
